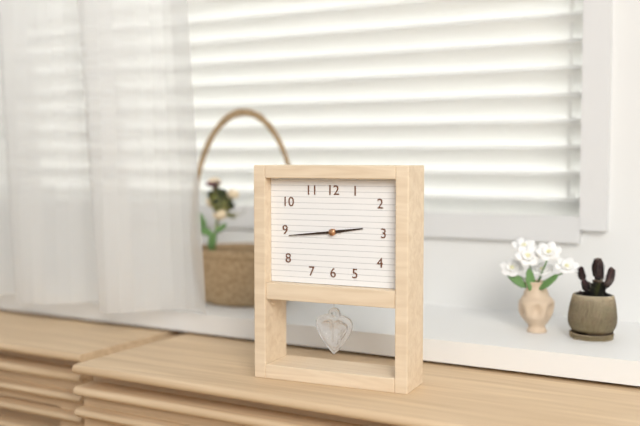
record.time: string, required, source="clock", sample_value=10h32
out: 2h44
